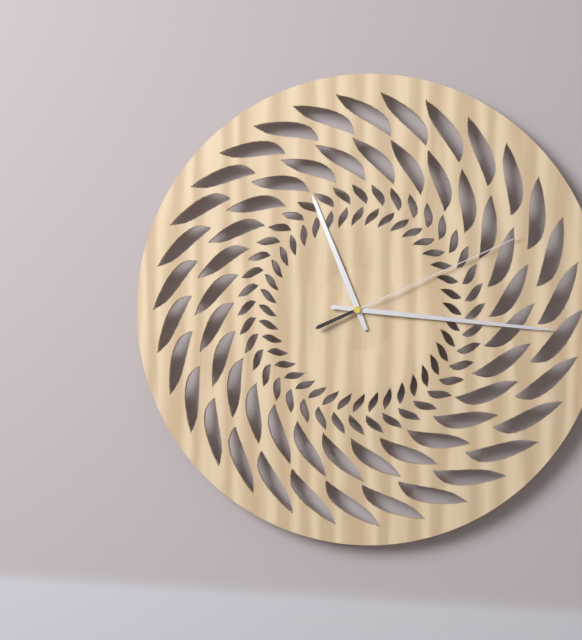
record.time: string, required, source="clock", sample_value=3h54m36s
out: 11h16m11s
